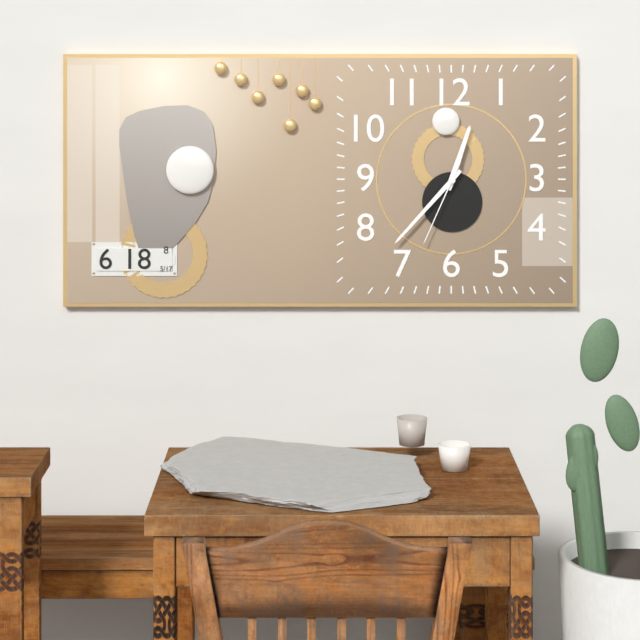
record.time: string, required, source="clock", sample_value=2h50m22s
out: 12h37m34s
